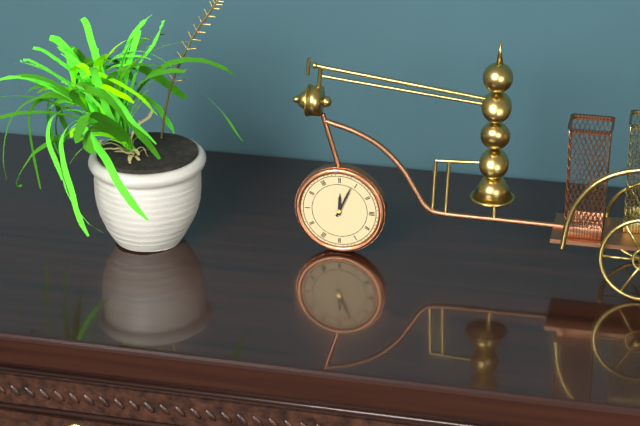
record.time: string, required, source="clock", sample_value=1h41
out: 12h04
